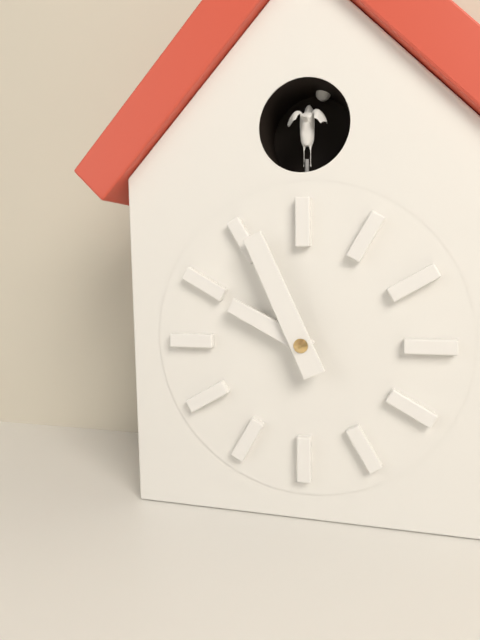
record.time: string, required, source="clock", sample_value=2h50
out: 9h56
